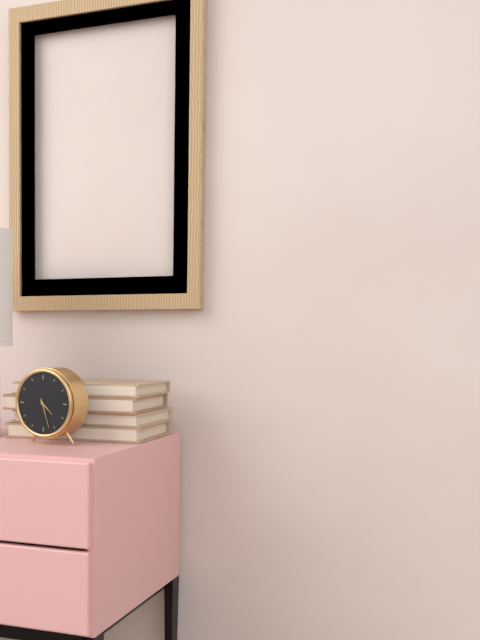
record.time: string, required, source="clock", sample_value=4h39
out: 4h27
